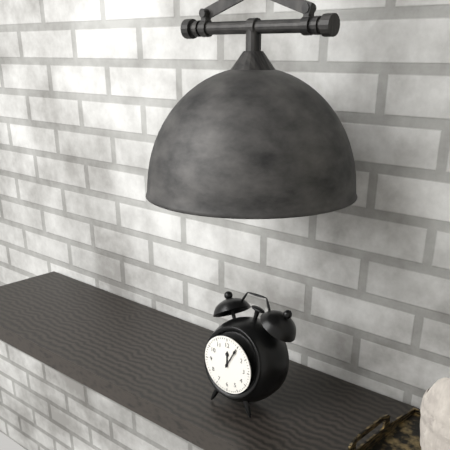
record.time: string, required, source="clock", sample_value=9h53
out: 12h05
